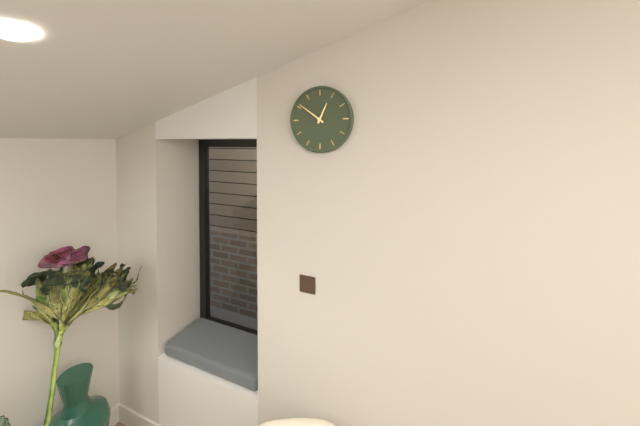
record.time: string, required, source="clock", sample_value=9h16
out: 12h51
